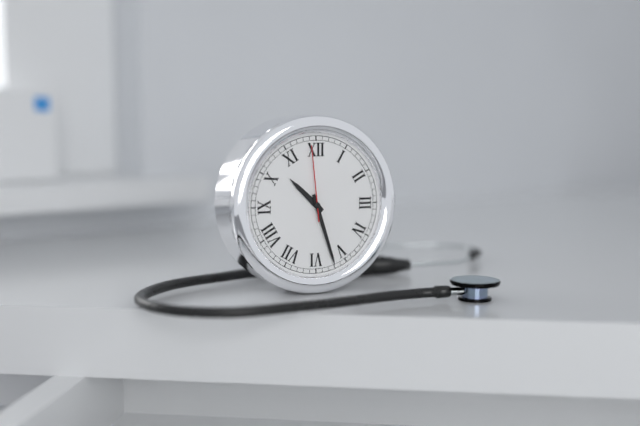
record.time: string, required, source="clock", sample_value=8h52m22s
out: 10h27m59s
